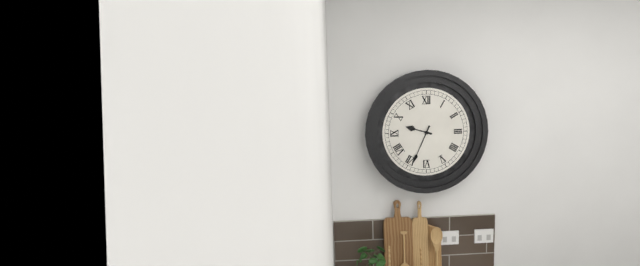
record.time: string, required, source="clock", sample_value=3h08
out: 9h34
